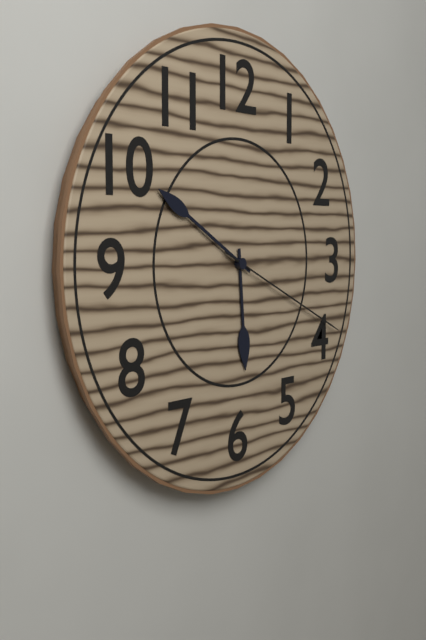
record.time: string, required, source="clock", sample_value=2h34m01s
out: 5h50m19s
